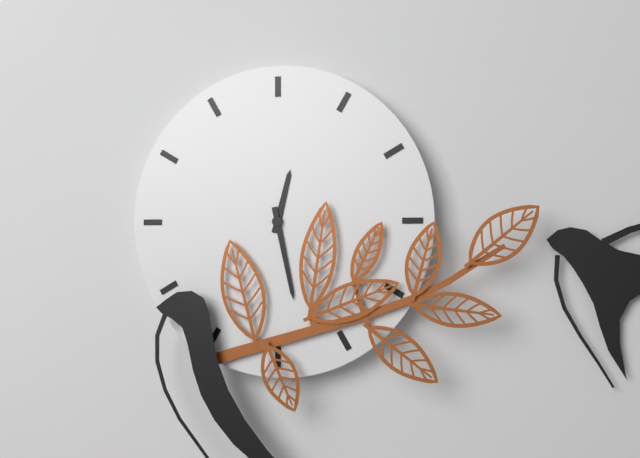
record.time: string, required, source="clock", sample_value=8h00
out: 12h28
